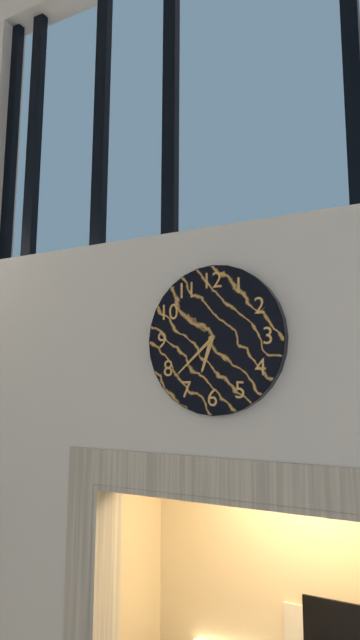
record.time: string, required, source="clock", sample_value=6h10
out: 6h38
